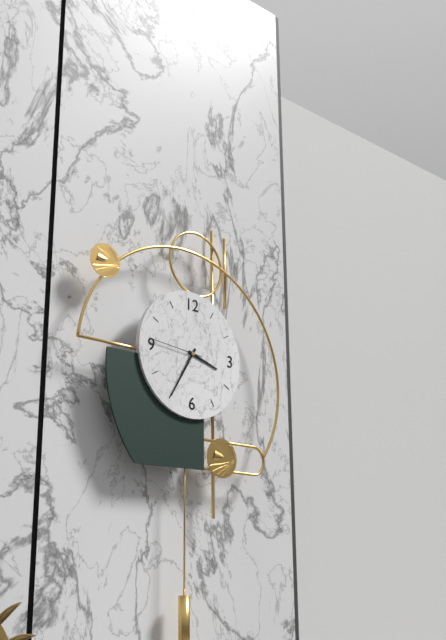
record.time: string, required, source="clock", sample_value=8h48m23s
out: 3h35m46s
